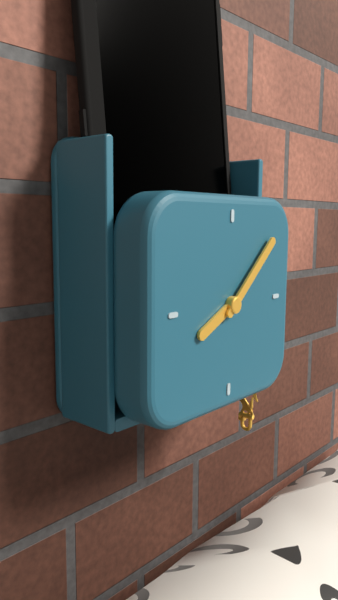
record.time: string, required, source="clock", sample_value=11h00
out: 8h08
